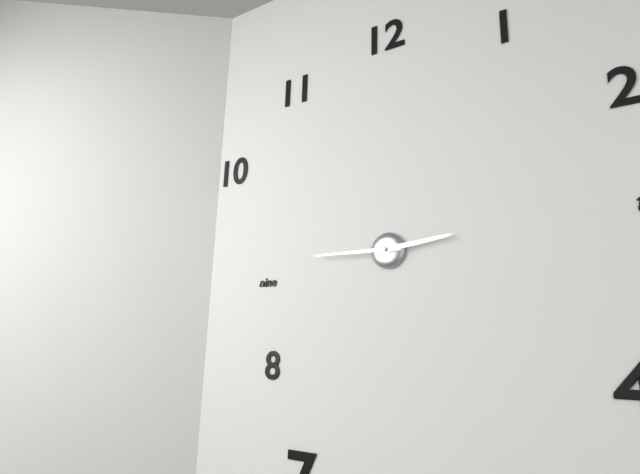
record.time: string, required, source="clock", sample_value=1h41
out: 2h45
